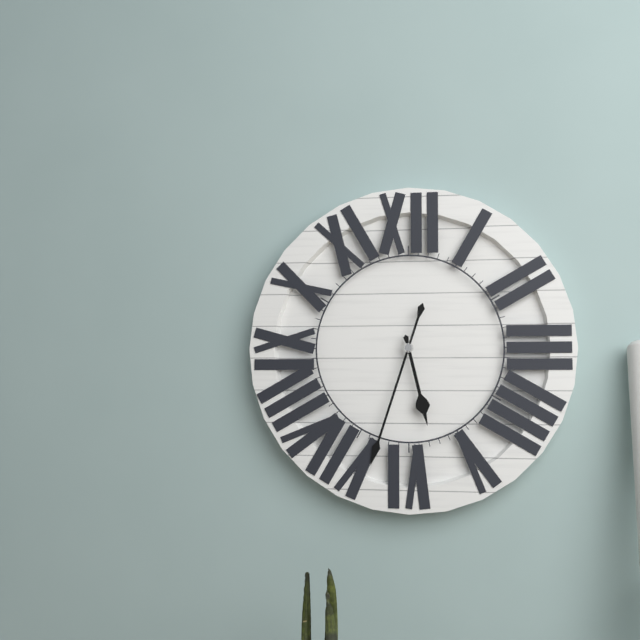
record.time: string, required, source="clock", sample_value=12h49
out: 5h33
